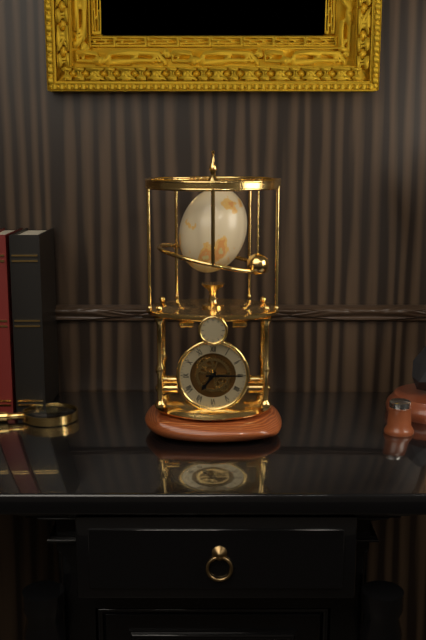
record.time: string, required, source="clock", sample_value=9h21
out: 7h15
